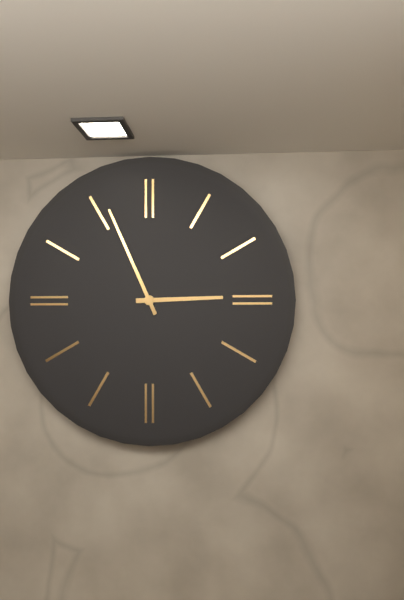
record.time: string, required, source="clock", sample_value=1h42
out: 2h56
